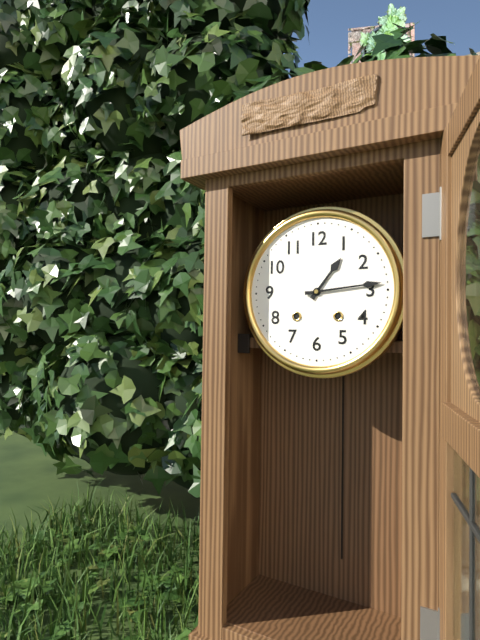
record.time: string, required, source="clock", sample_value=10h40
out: 1h14
